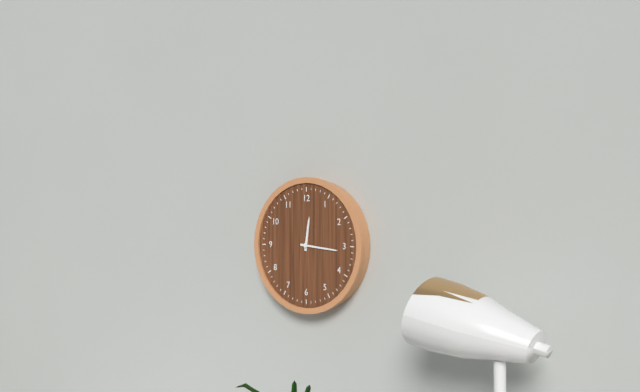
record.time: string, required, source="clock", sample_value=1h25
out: 12h16
